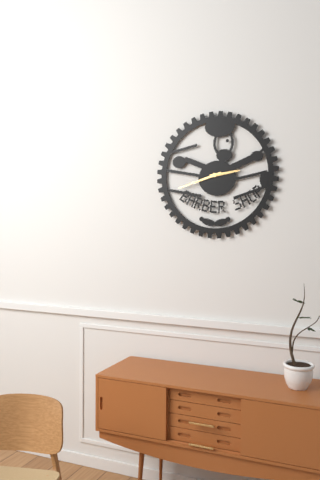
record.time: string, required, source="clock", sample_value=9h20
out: 2h42
